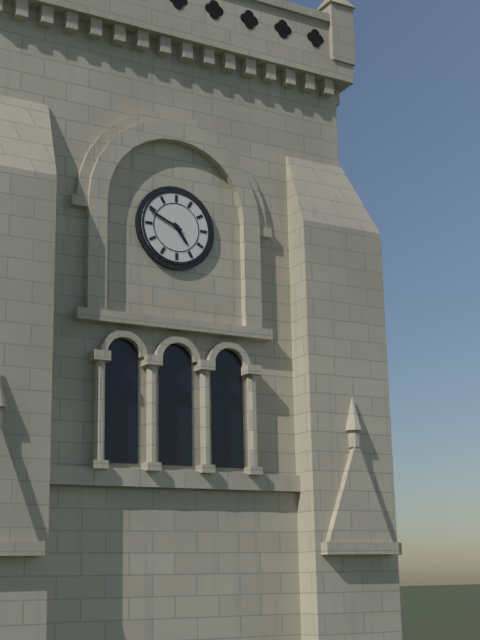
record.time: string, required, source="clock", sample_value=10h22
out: 4h49
